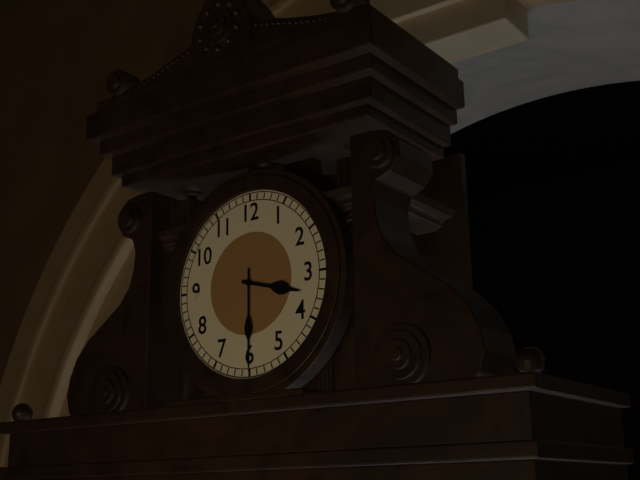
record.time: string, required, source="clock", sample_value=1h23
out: 3h30
